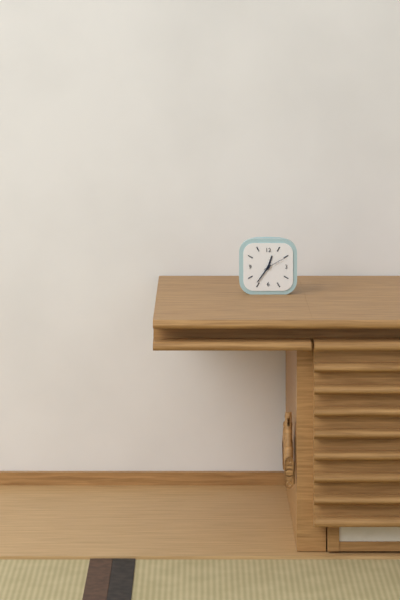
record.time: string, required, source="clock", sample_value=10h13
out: 12h36
